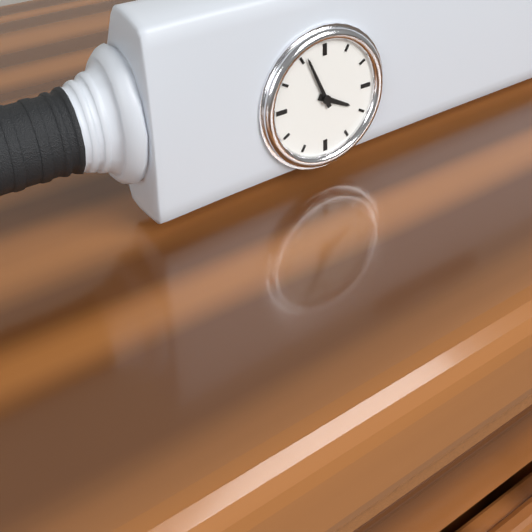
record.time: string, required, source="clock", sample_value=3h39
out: 3h56
